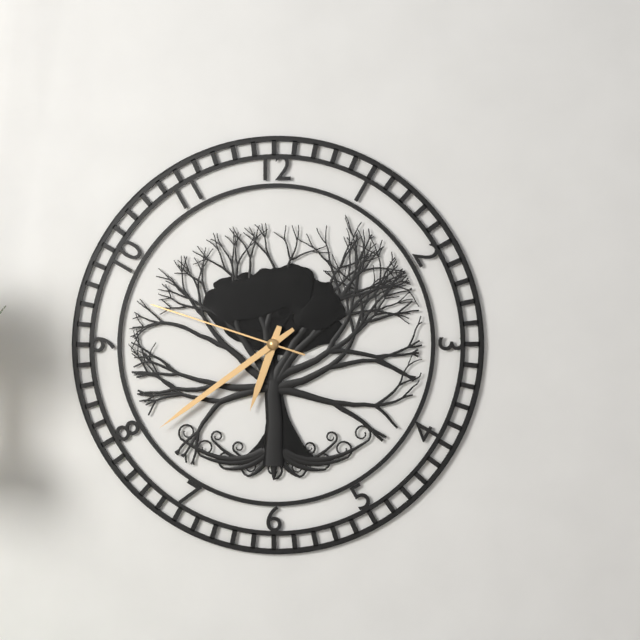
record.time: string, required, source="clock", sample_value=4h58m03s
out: 6h39m48s
